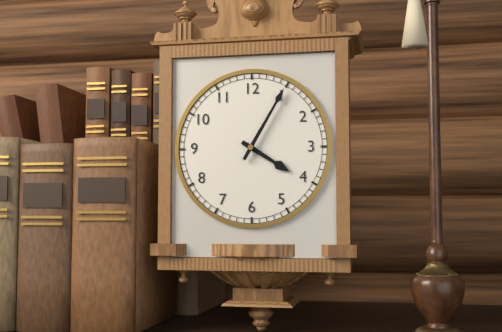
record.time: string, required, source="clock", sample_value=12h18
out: 4h05
